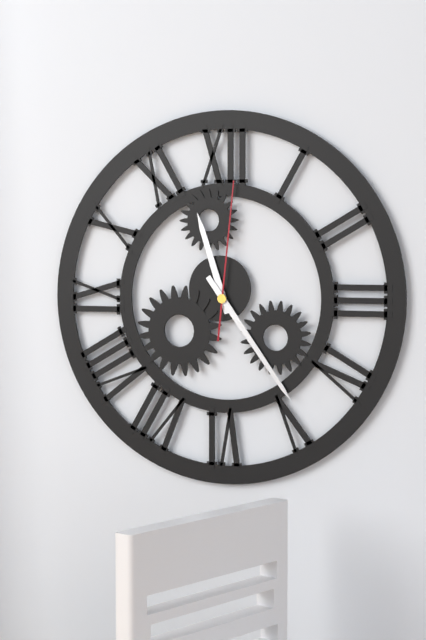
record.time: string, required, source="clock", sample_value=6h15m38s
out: 11h24m01s
